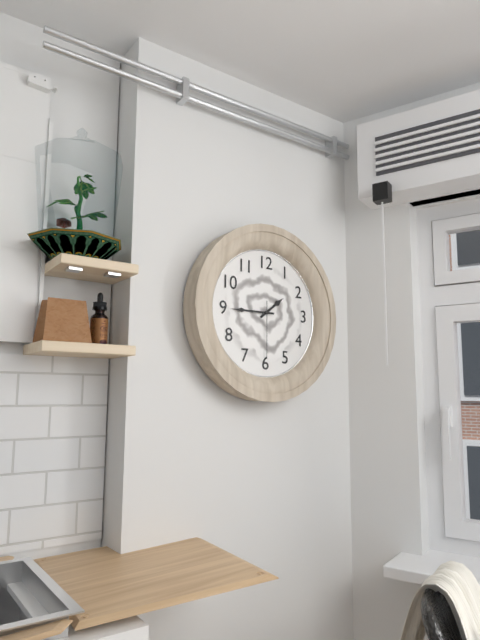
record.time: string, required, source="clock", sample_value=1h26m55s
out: 1h45m30s
